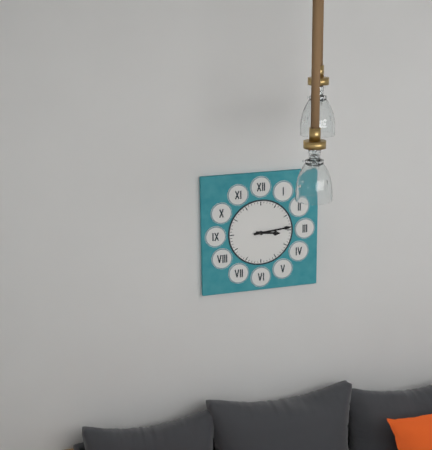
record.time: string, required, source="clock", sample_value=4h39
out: 3h14
